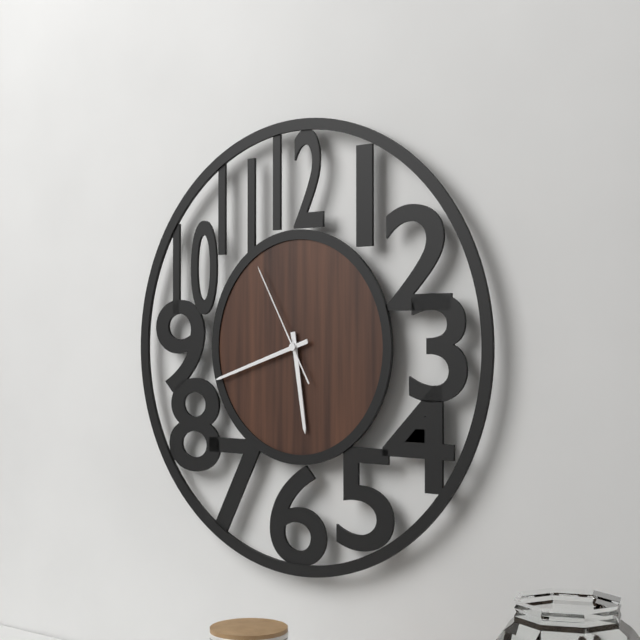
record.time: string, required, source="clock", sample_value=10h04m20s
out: 5h42m55s
